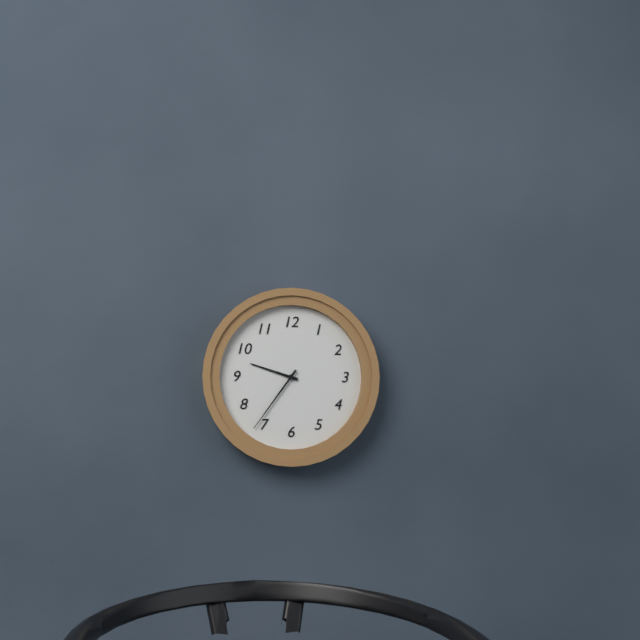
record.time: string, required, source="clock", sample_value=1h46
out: 9h36
